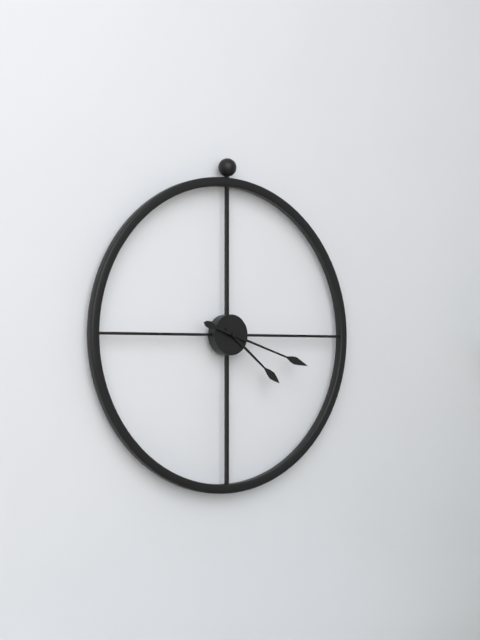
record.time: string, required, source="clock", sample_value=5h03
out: 4h18
